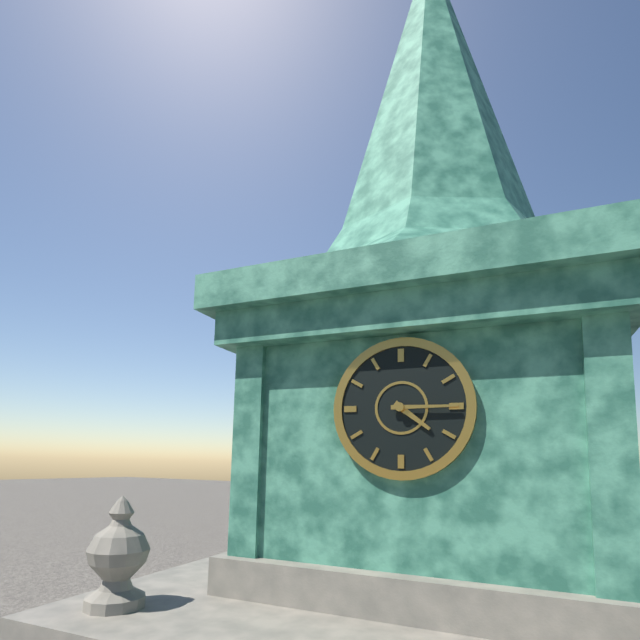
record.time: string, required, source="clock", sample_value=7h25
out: 4h15
